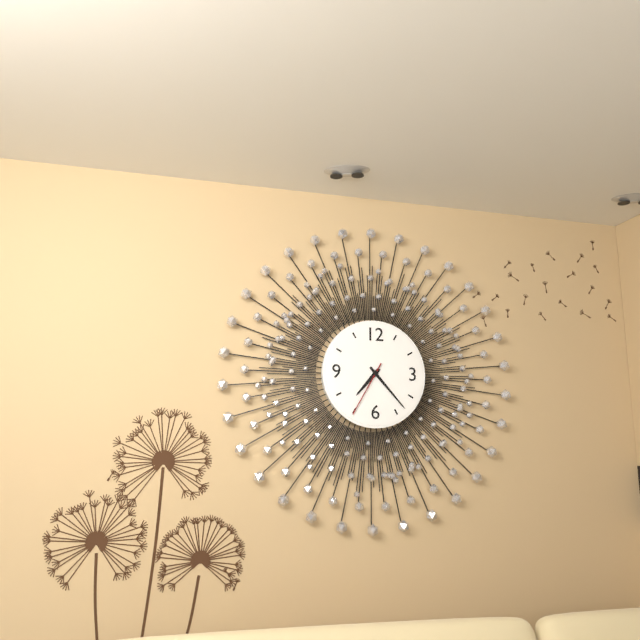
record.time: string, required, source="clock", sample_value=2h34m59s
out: 7h23m35s
